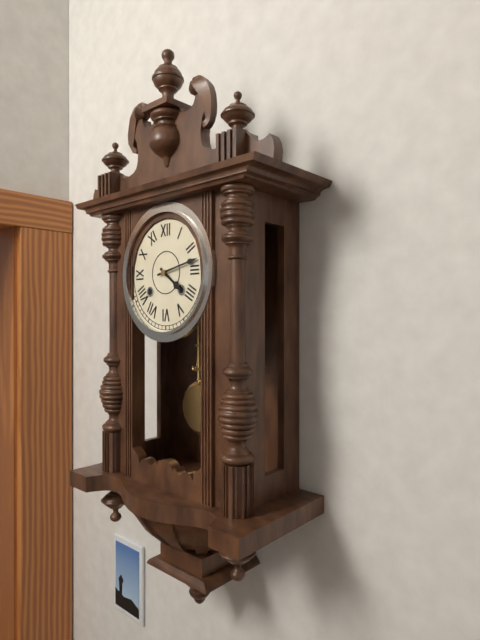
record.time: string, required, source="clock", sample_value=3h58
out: 4h13
